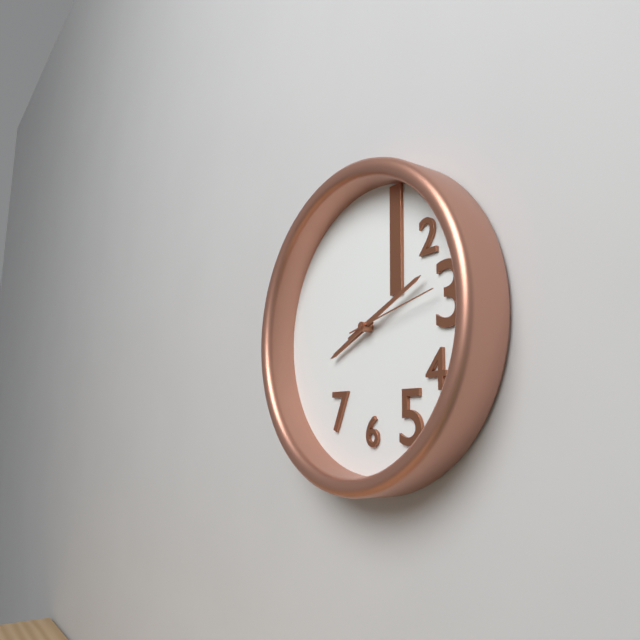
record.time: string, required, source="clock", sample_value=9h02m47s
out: 8h11m13s
